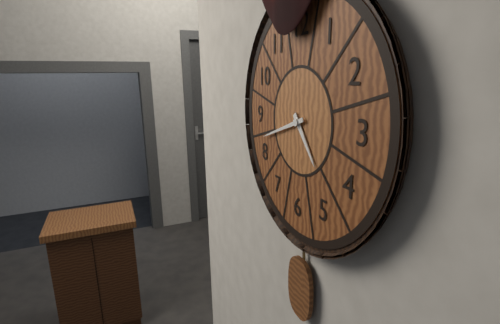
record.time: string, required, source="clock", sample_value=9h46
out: 4h42
